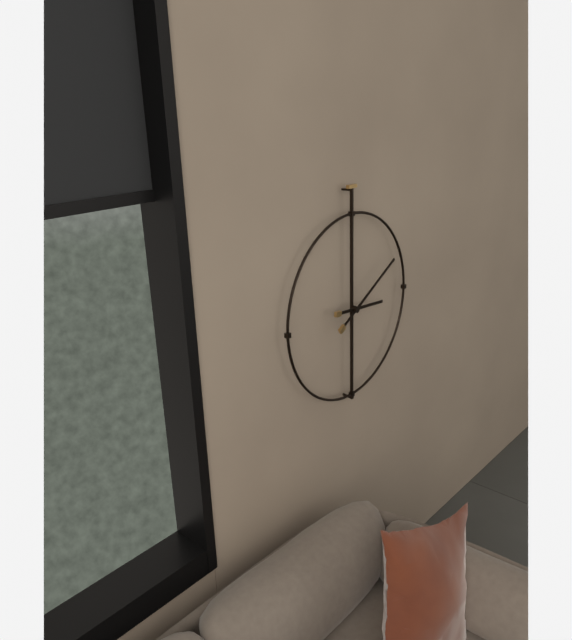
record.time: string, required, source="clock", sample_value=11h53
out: 3h10
